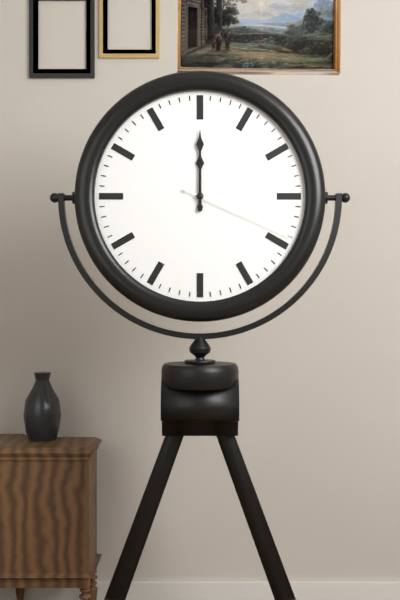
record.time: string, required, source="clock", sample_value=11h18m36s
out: 12h00m19s
